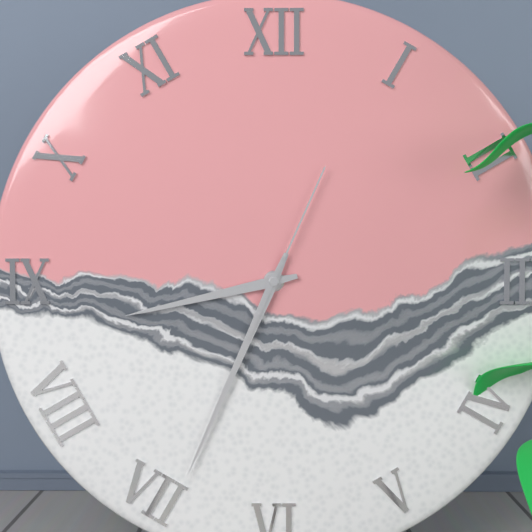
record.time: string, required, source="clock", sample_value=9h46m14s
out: 8h34m04s
